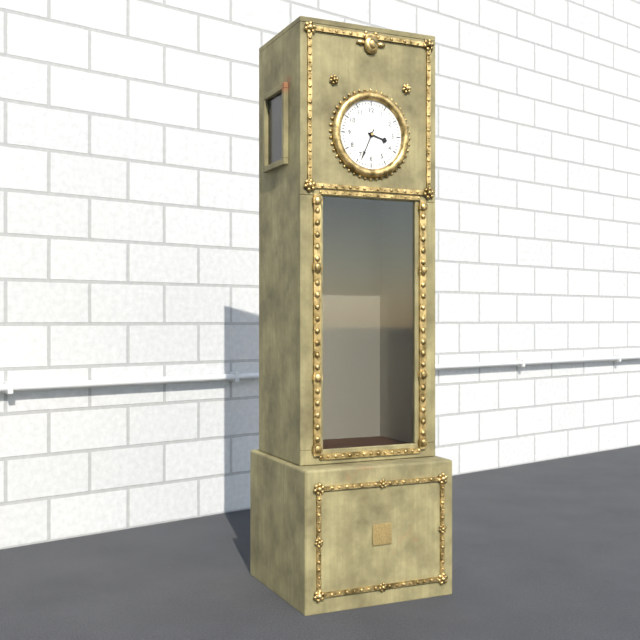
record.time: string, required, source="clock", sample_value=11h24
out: 3h34
